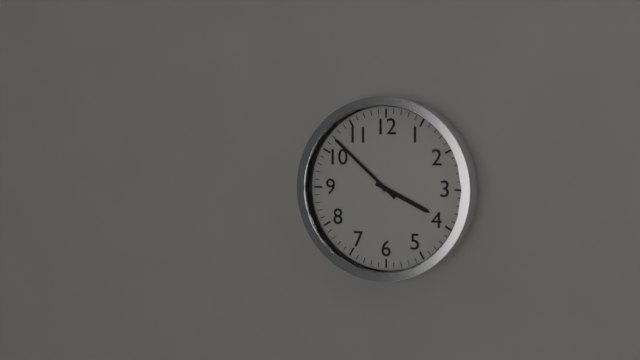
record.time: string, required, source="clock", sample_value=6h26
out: 3h52
